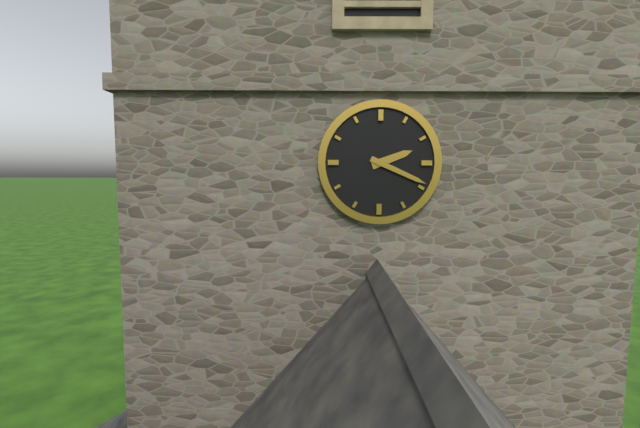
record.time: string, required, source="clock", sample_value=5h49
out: 2h19
